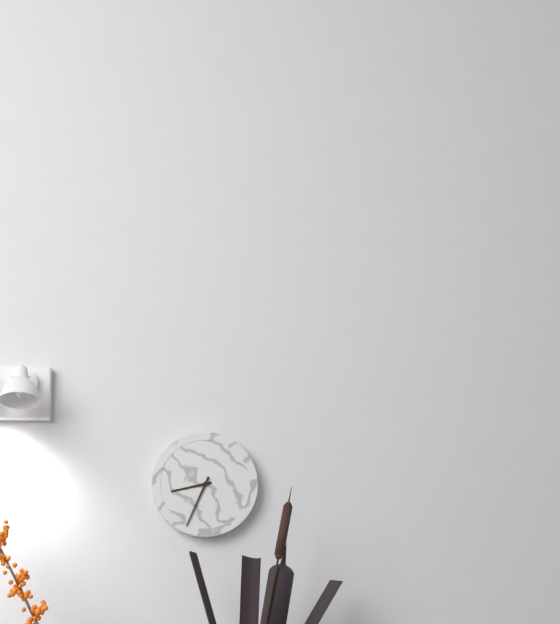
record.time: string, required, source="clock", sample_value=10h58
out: 8h34
